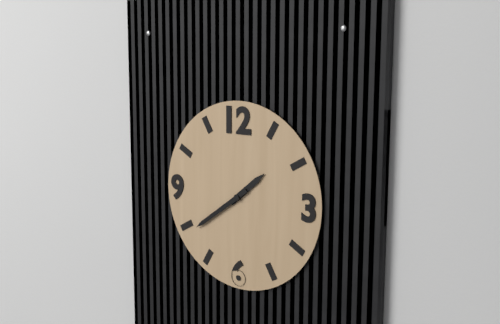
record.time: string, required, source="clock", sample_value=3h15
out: 1h39
